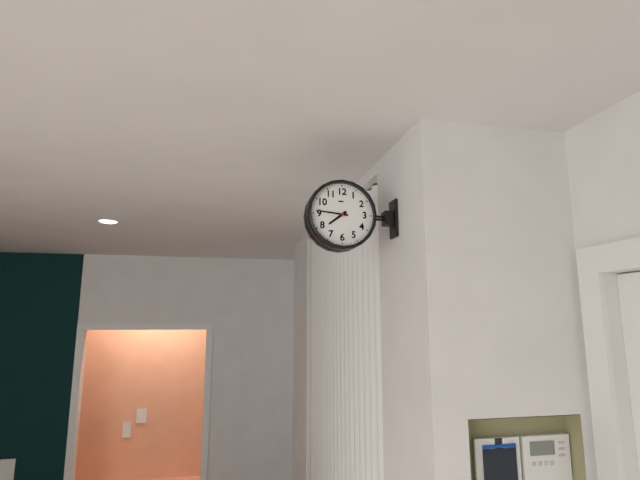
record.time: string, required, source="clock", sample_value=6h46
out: 7h46
